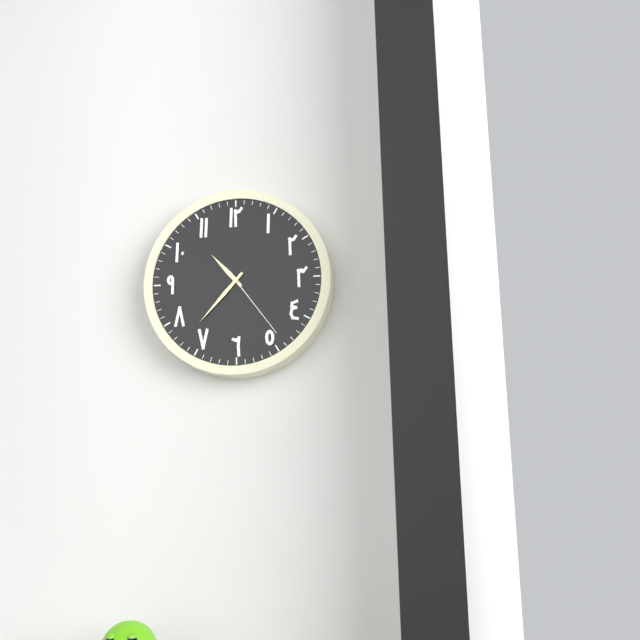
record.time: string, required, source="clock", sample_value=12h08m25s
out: 10h37m24s
